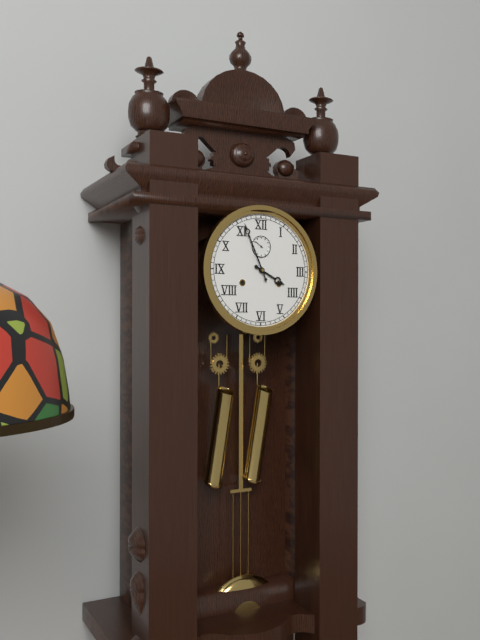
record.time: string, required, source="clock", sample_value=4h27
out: 3h56
